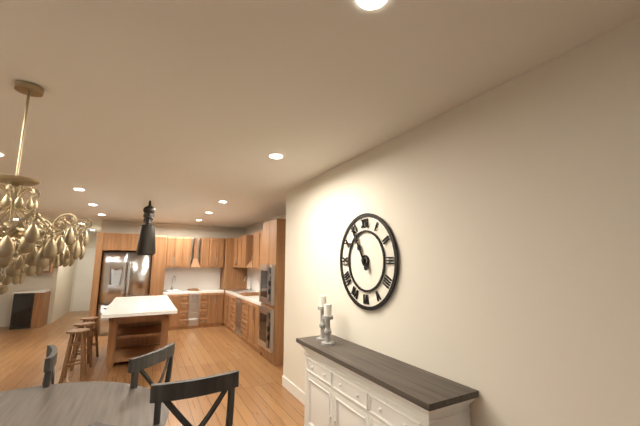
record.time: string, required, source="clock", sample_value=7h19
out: 10h55
